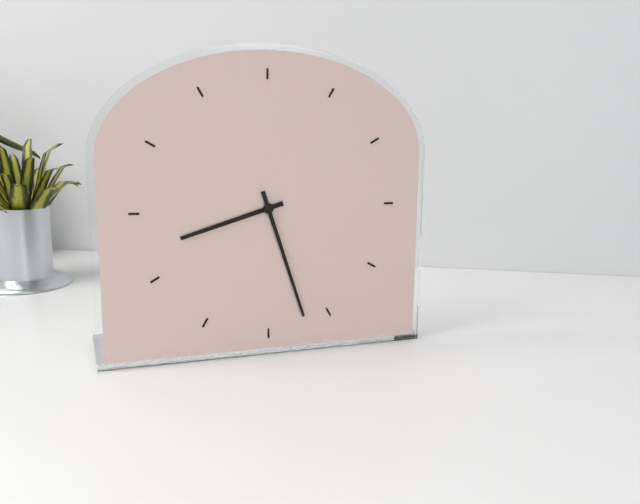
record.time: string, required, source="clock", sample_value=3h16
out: 8h27
